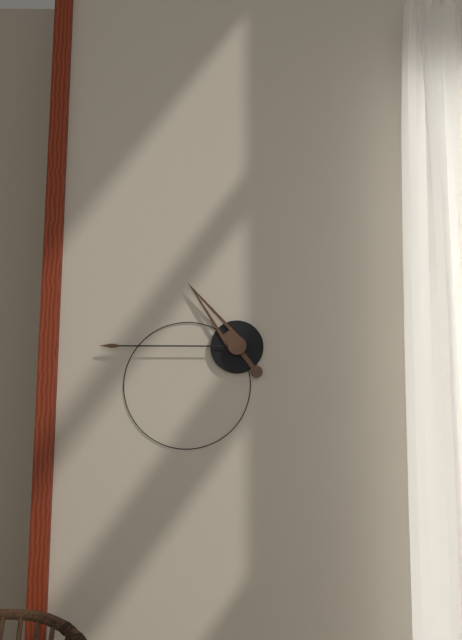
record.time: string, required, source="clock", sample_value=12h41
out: 10h45
